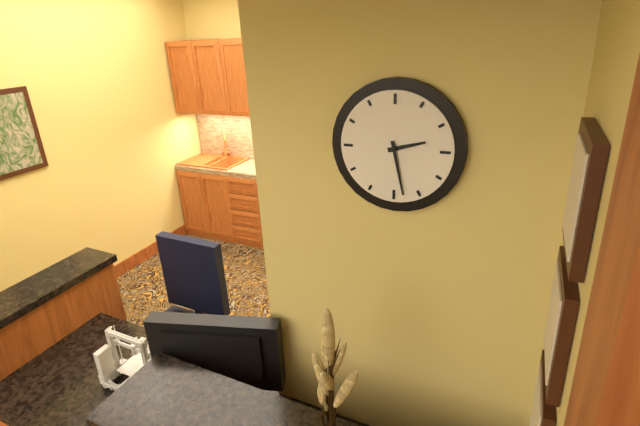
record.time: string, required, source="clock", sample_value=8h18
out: 2h28
